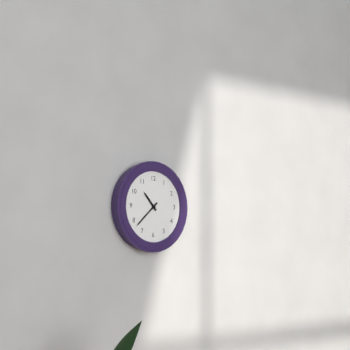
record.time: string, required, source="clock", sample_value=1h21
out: 10h38
